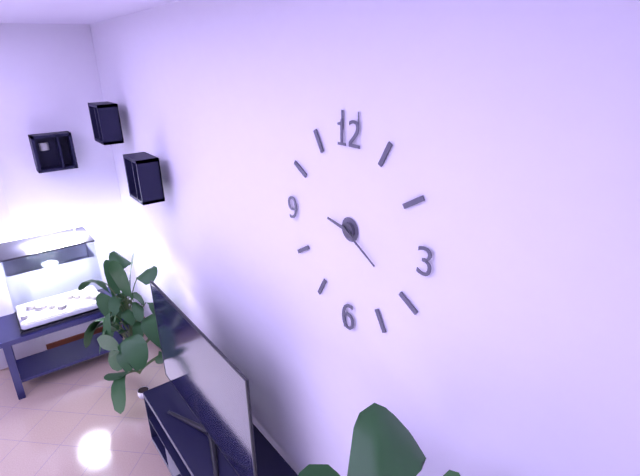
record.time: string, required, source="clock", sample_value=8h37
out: 9h20
